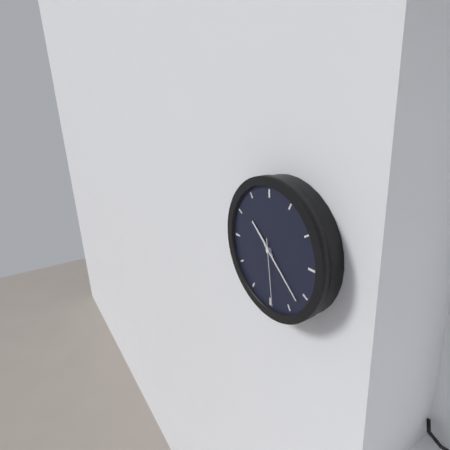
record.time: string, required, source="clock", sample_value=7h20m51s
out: 10h22m29s
